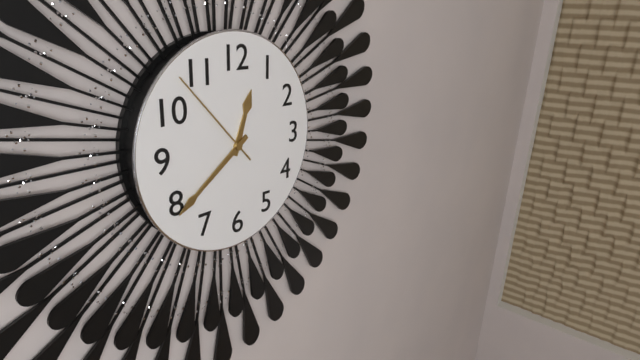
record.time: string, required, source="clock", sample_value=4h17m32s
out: 12h39m53s
